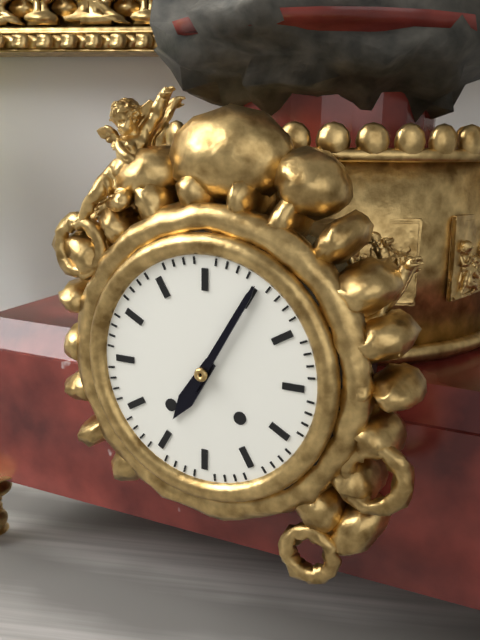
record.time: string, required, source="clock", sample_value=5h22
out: 7h05
